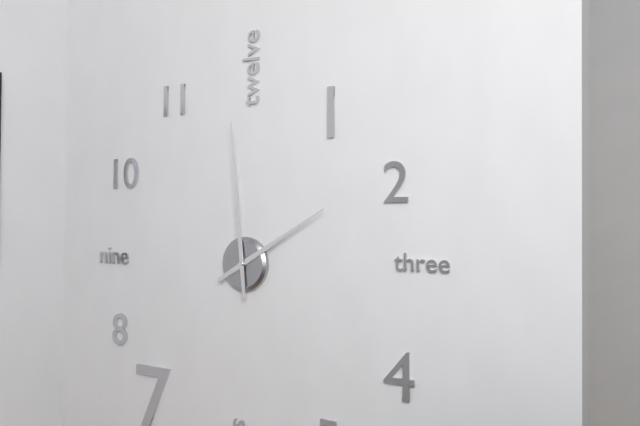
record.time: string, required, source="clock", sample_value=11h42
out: 1h59
